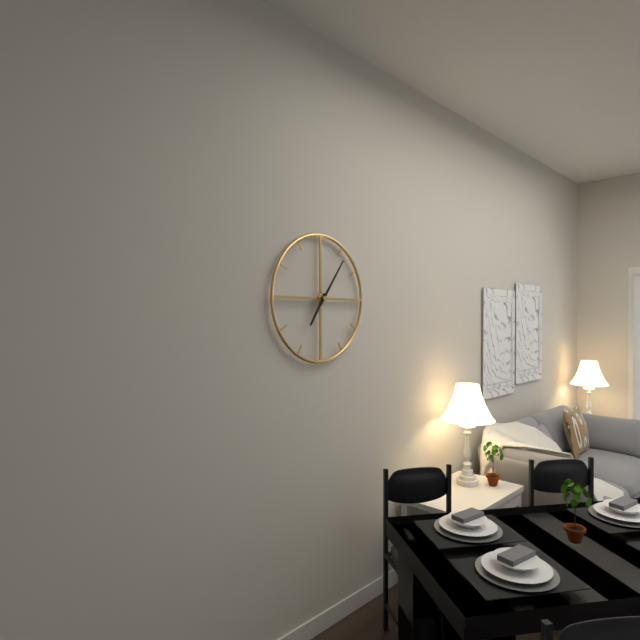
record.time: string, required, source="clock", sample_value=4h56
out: 7h06
